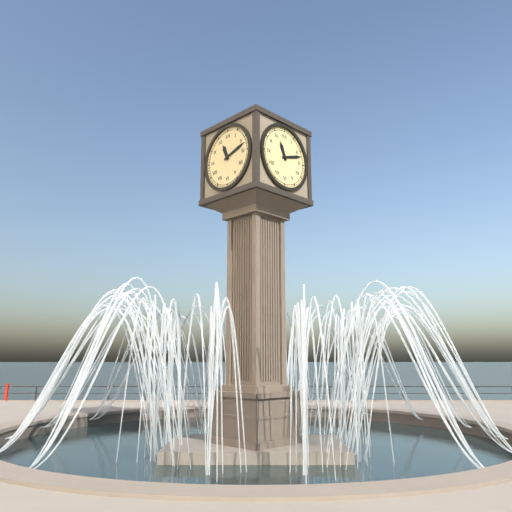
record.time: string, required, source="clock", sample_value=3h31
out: 11h12
